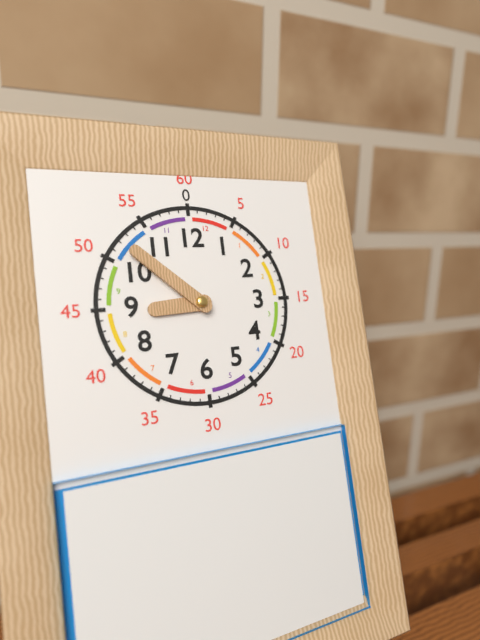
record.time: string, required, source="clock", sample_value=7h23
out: 8h52
